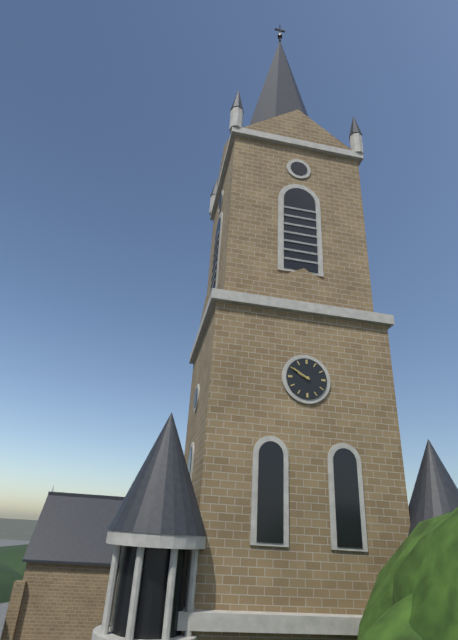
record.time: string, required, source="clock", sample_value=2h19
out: 9h50
